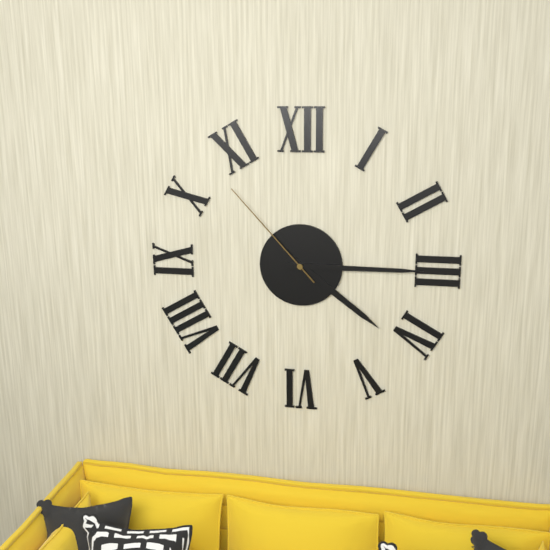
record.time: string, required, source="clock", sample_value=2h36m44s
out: 4h15m53s
